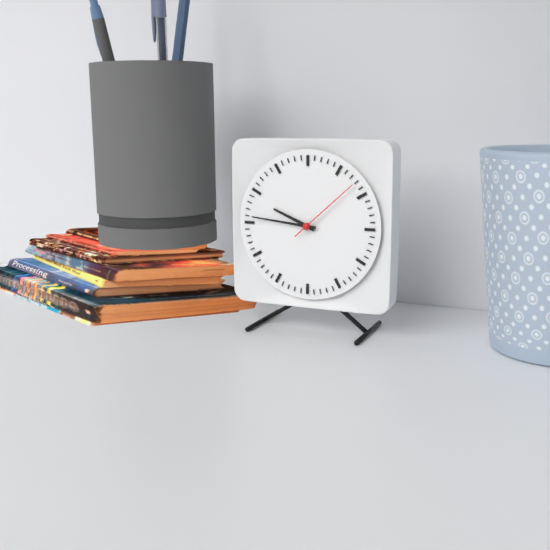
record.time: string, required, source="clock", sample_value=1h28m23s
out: 9h46m08s
